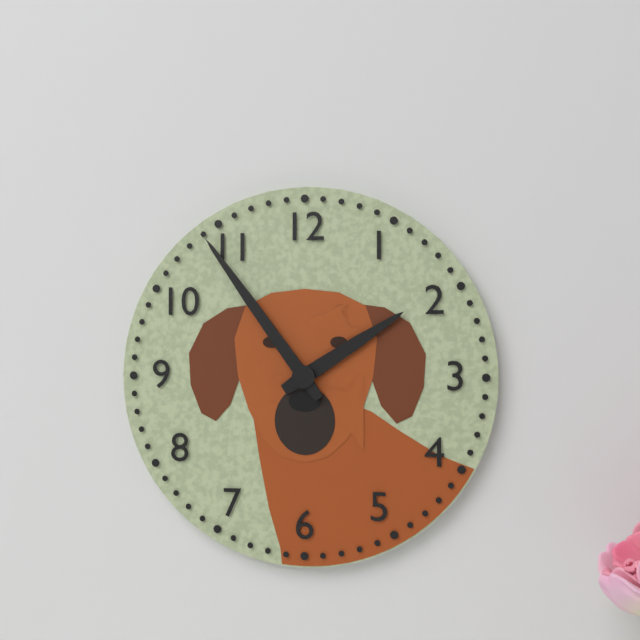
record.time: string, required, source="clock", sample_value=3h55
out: 1h54
